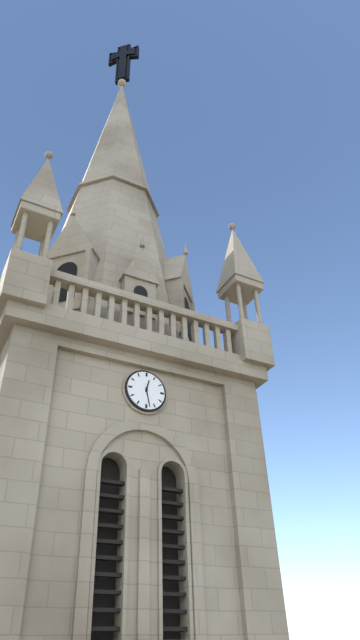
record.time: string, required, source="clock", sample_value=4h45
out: 12h28
